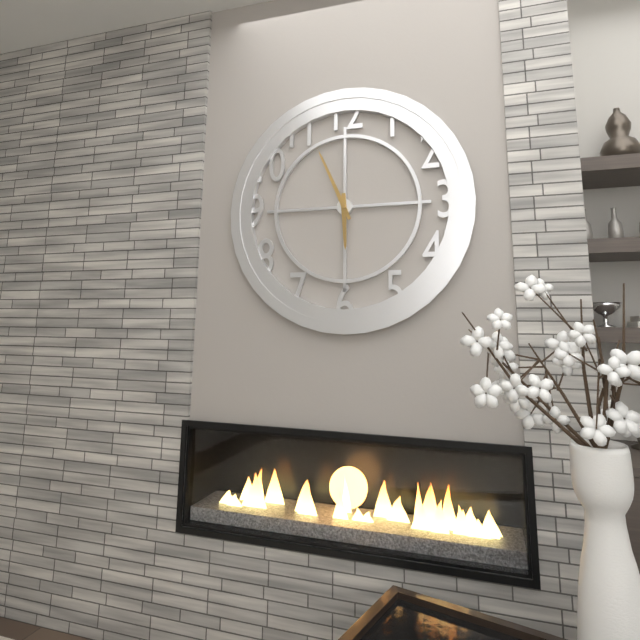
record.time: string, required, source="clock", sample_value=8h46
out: 5h56
